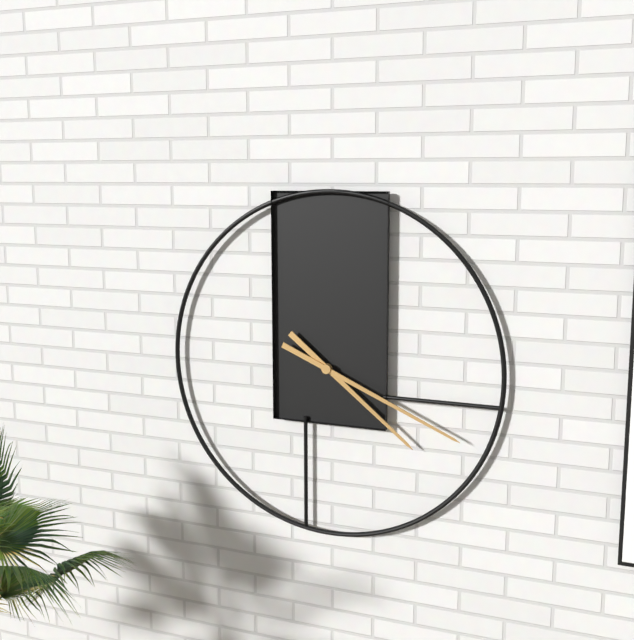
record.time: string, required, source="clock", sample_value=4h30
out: 4h19
